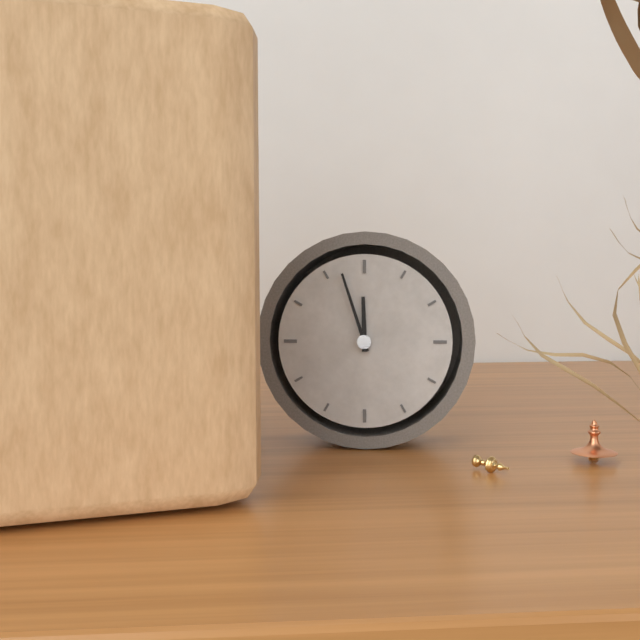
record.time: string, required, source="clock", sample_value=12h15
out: 11h57
